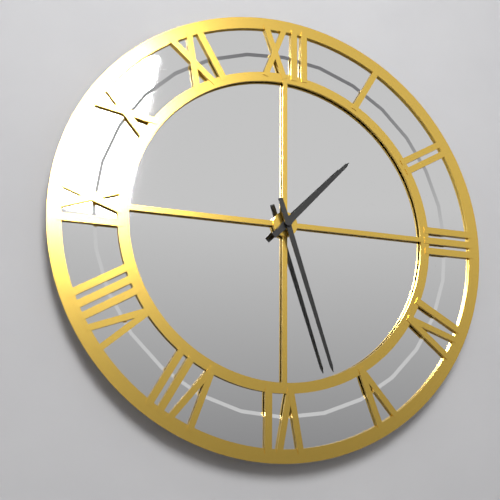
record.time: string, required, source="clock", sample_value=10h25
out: 1h27
